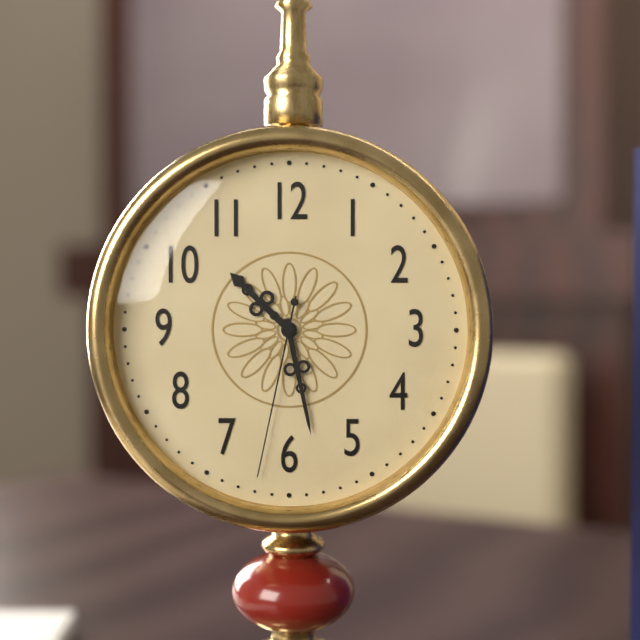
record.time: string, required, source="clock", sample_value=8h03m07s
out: 10h28m32s
